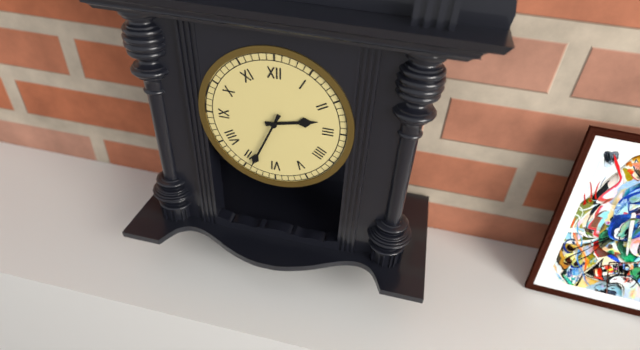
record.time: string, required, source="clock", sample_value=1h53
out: 2h34
